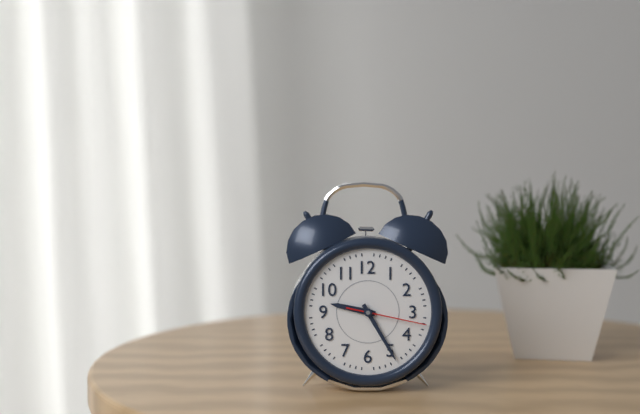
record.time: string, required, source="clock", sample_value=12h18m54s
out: 9h25m17s
